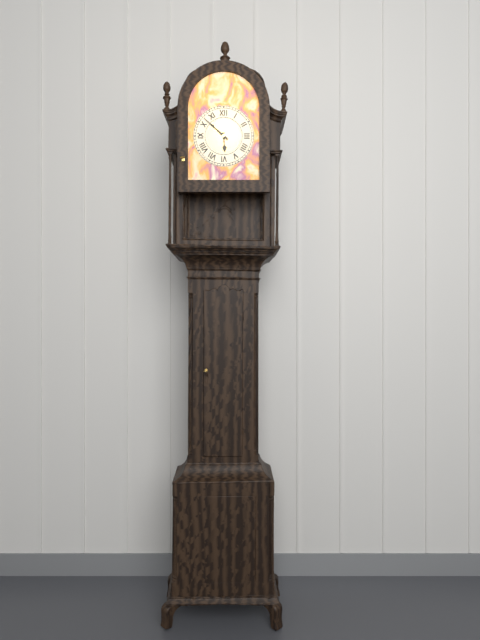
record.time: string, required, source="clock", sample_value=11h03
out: 5h52
